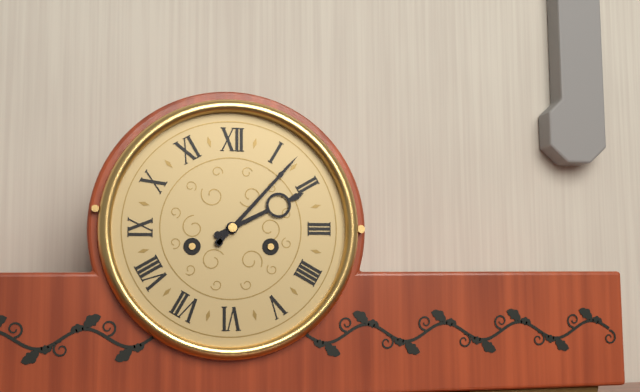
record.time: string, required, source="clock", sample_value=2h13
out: 2h07
